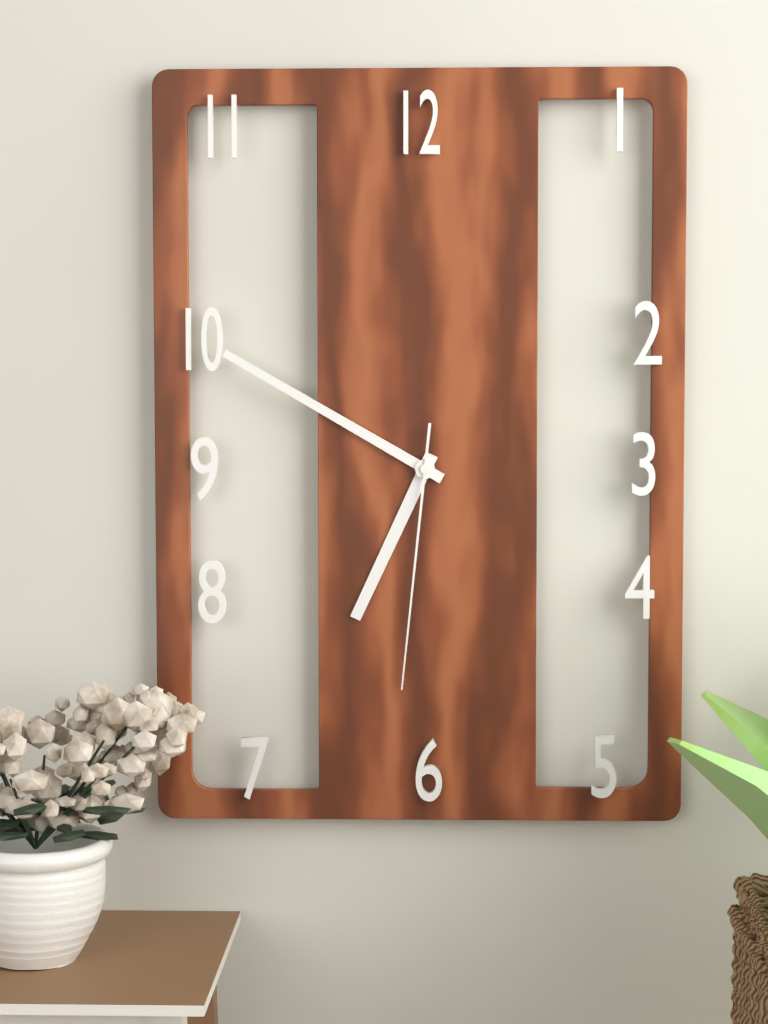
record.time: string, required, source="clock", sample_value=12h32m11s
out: 6h50m31s
